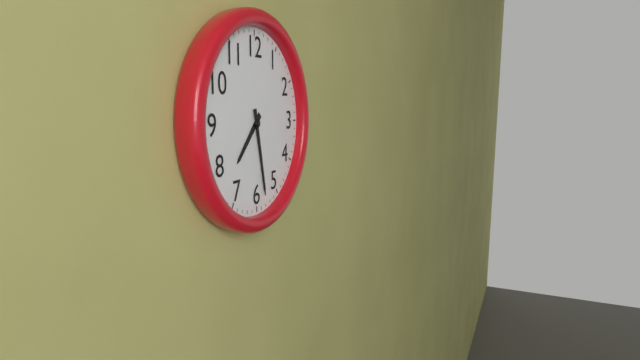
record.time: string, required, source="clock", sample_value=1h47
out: 7h28
